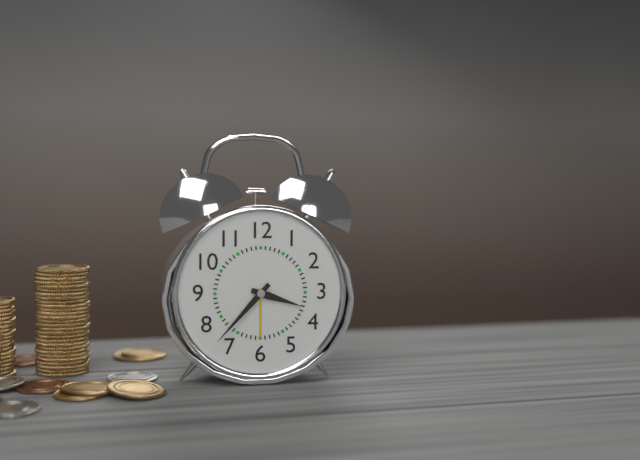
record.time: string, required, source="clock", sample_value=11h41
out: 3h37
